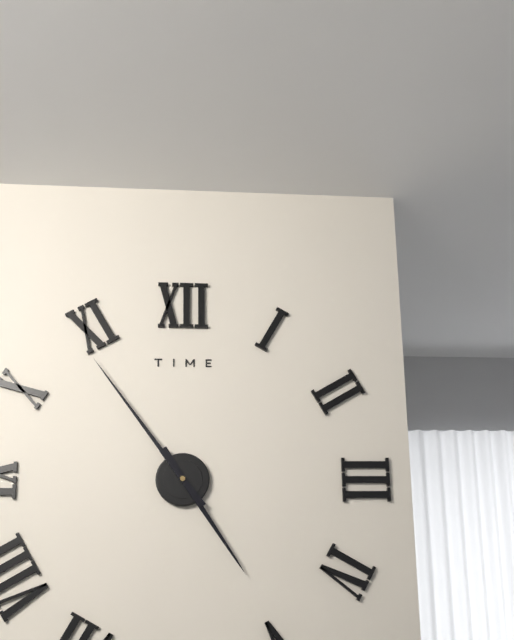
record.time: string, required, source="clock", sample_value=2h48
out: 4h54
